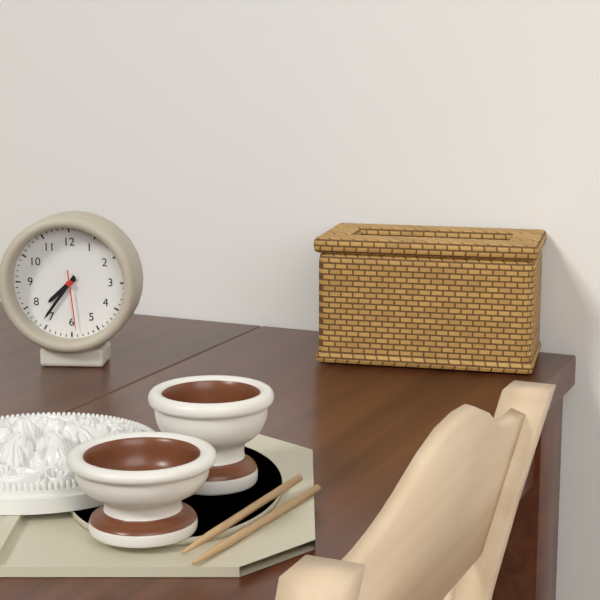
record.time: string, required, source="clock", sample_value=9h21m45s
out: 7h36m29s
